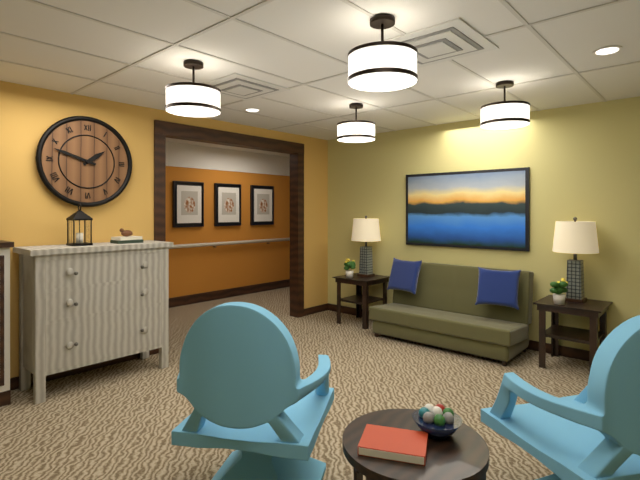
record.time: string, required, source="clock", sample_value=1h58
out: 1h48
